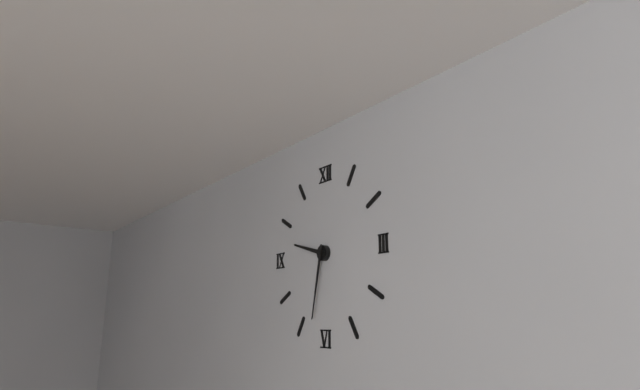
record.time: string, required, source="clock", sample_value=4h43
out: 9h32
